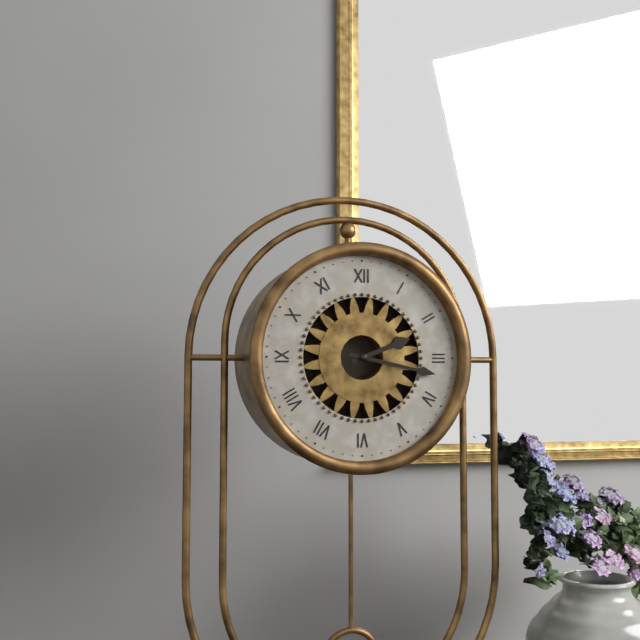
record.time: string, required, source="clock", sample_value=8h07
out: 2h17
